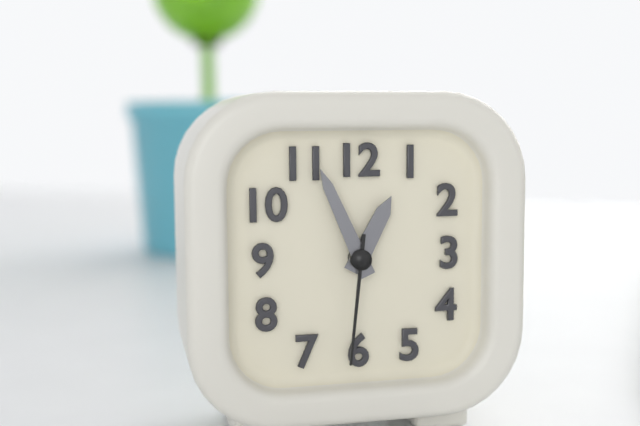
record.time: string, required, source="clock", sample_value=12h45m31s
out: 12h56m31s
